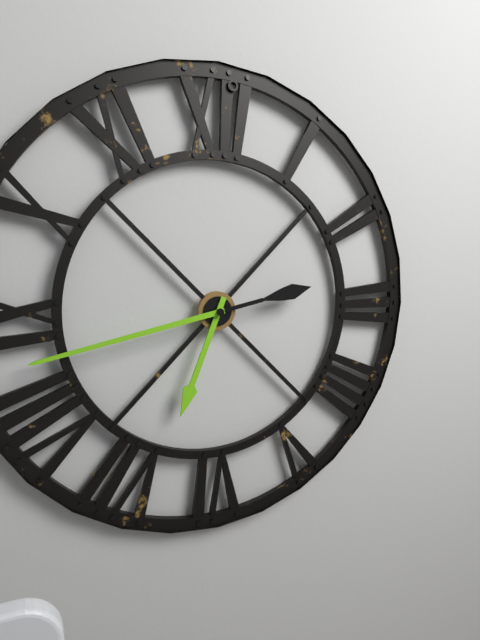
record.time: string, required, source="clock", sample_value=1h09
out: 6h43
